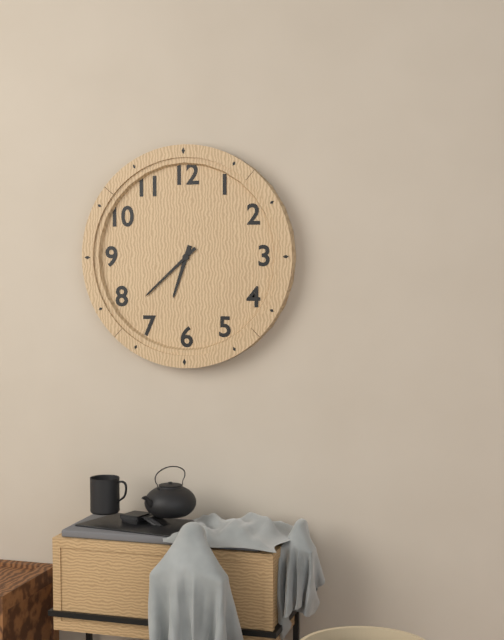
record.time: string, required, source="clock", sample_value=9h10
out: 6h38
